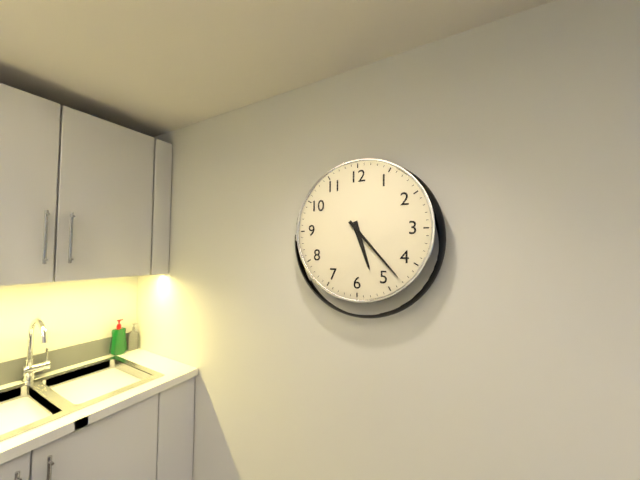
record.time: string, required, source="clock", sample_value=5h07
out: 5h23
